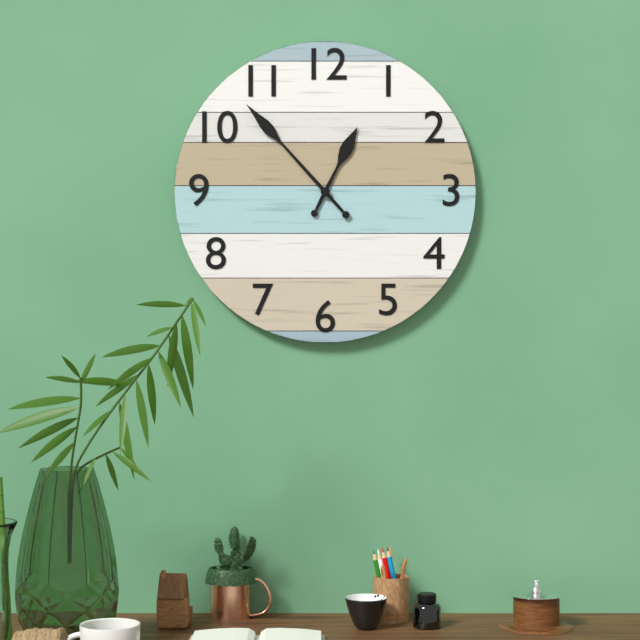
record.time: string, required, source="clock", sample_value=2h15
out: 12h53
